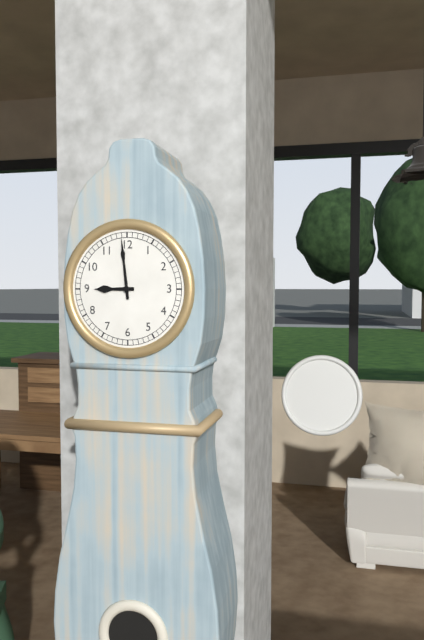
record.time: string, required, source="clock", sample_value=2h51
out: 8h59
